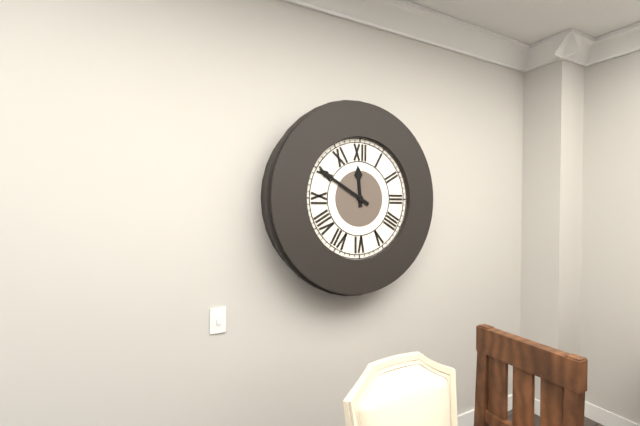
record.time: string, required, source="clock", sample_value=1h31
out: 11h50
